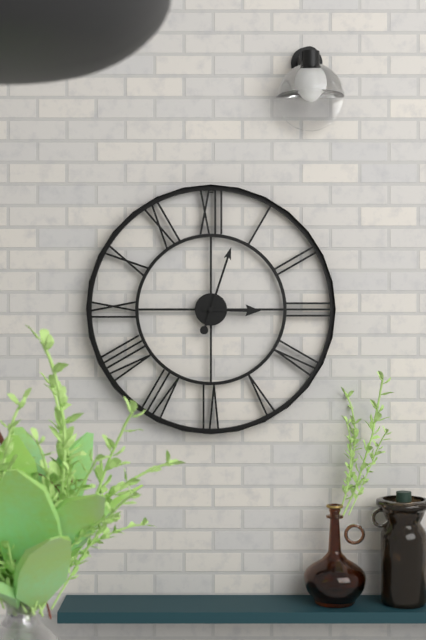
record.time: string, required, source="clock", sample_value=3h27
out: 3h03
